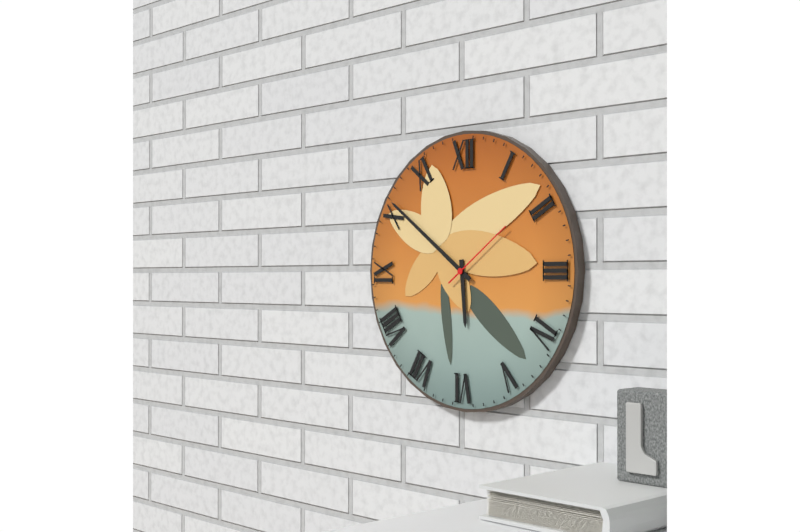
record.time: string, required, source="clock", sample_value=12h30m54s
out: 5h51m09s
